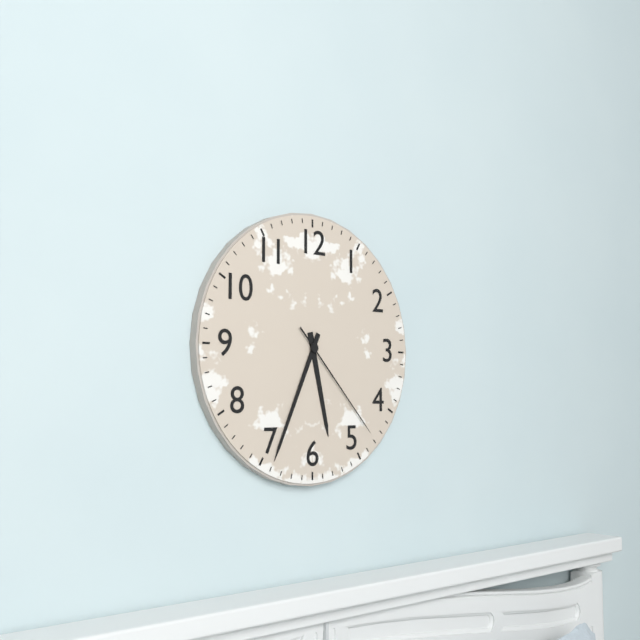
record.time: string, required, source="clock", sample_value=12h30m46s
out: 5h34m23s
